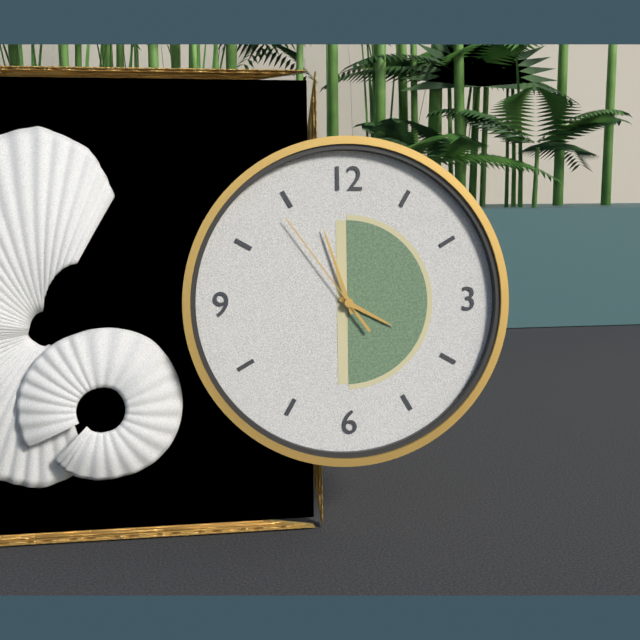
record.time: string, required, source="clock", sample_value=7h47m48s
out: 3h57m54s
